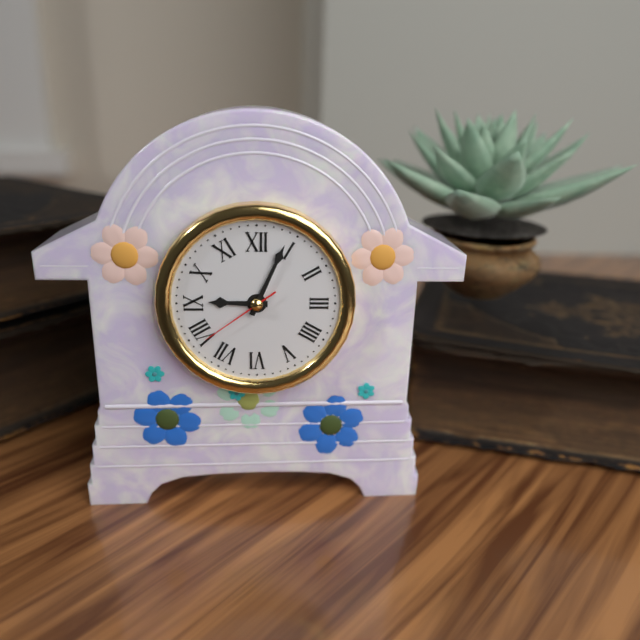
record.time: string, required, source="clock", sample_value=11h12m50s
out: 9h04m39s
